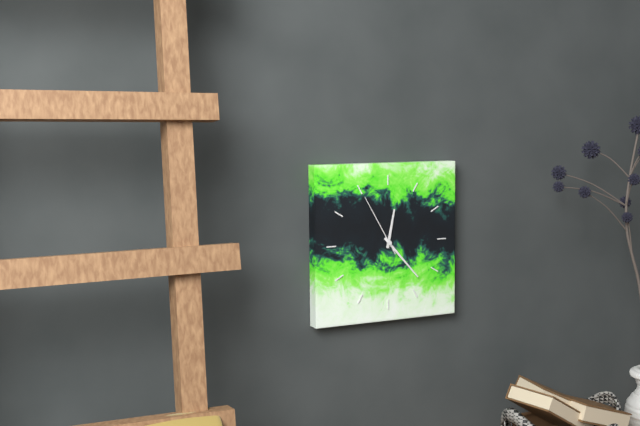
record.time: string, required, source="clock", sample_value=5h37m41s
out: 12h23m55s
